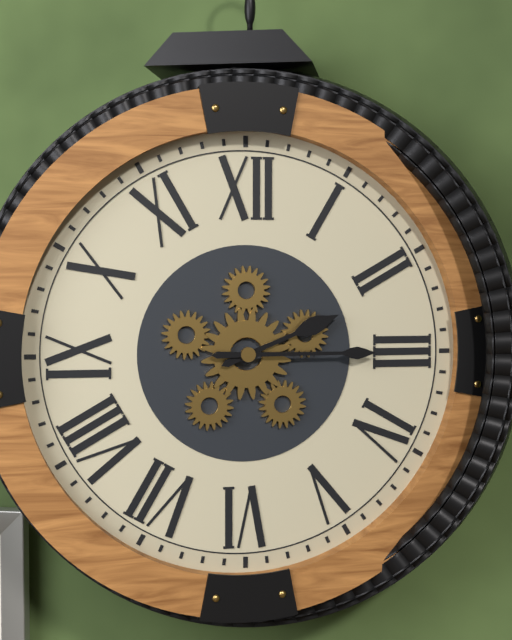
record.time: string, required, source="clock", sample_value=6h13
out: 2h15
